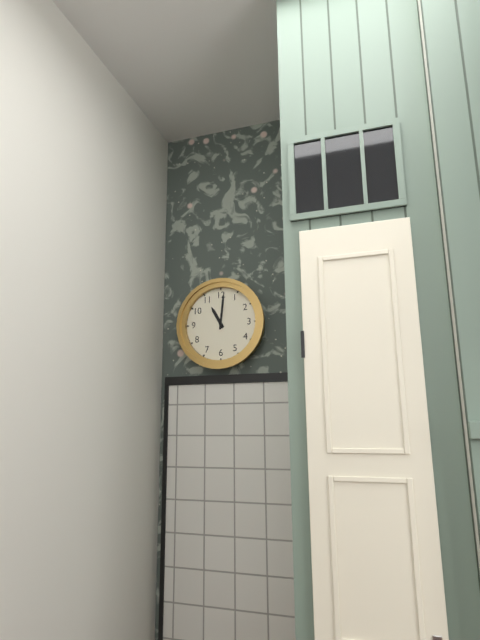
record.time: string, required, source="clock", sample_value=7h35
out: 11h01
